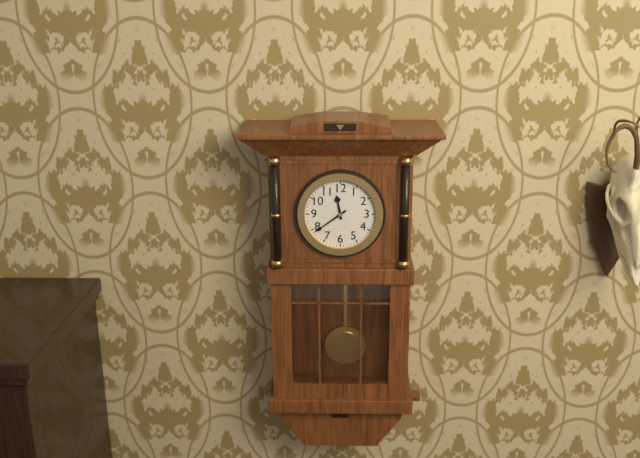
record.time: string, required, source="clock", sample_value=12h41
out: 11h39
